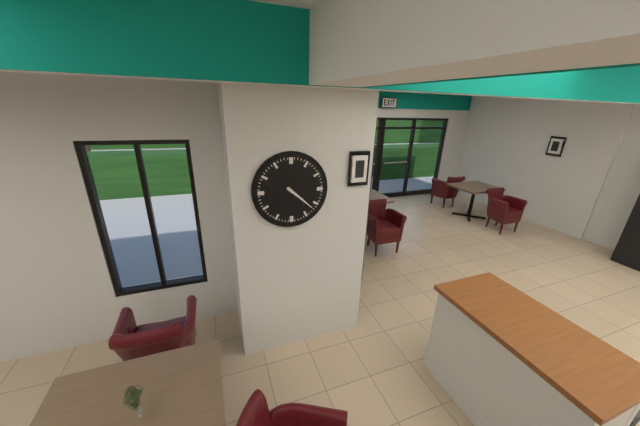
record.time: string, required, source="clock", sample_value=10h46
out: 4h22
